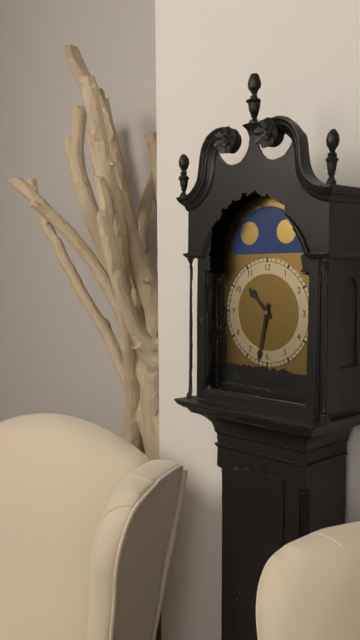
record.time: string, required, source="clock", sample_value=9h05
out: 10h32
